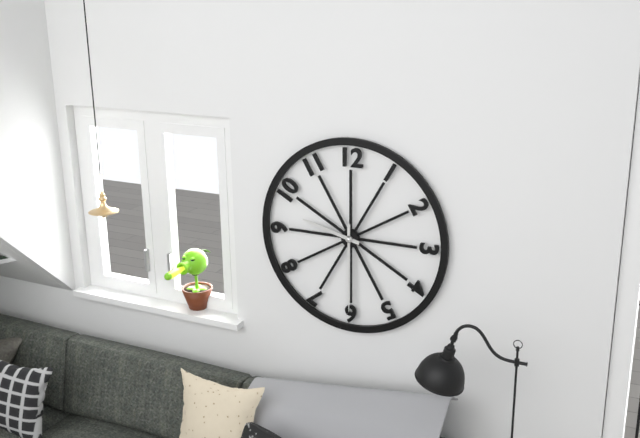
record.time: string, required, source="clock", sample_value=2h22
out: 9h30
